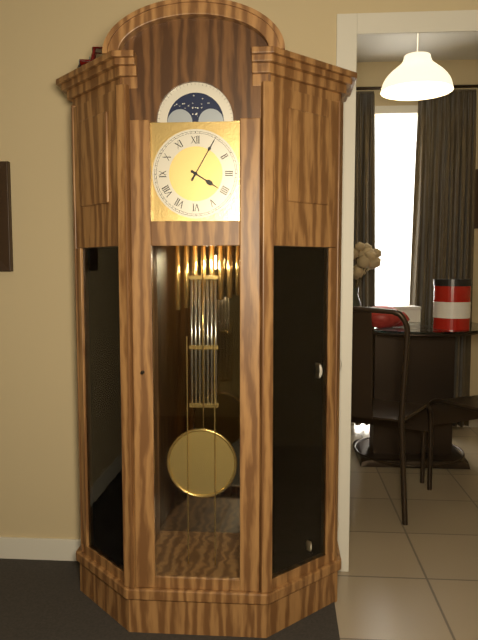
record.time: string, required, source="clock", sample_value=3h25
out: 4h05
